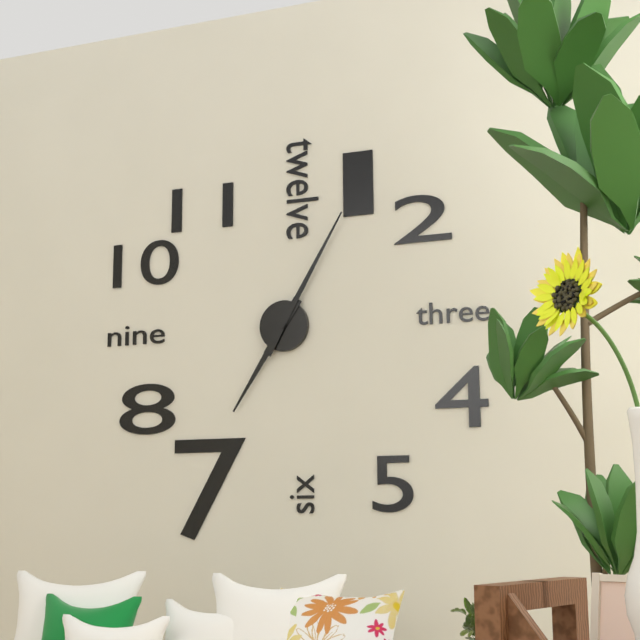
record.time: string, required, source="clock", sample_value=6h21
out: 7h05
